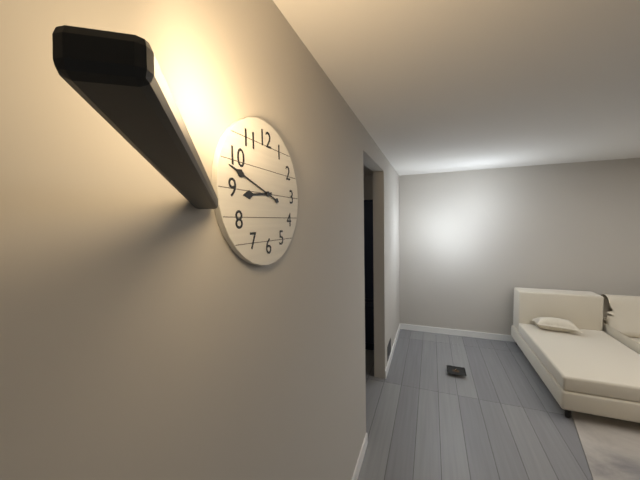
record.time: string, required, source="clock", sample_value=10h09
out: 8h48
